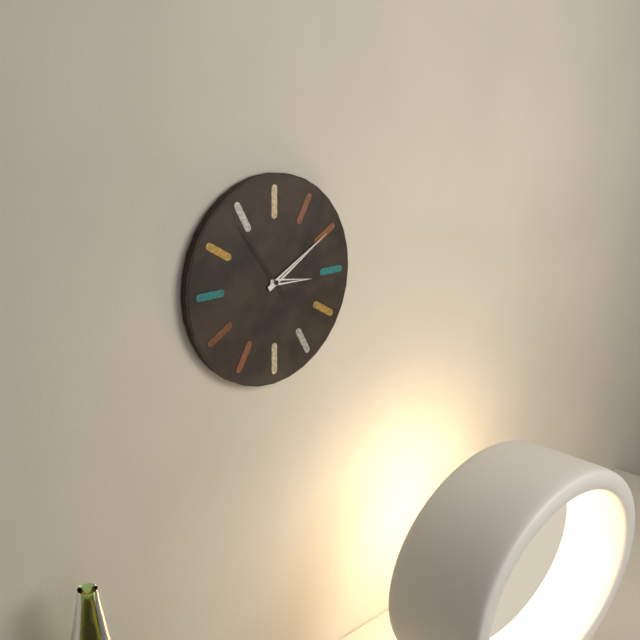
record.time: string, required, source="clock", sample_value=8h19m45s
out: 3h10m54s
